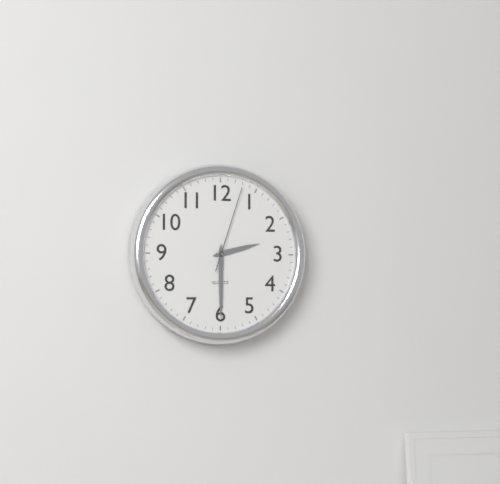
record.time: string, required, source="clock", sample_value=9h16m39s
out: 2h30m03s
